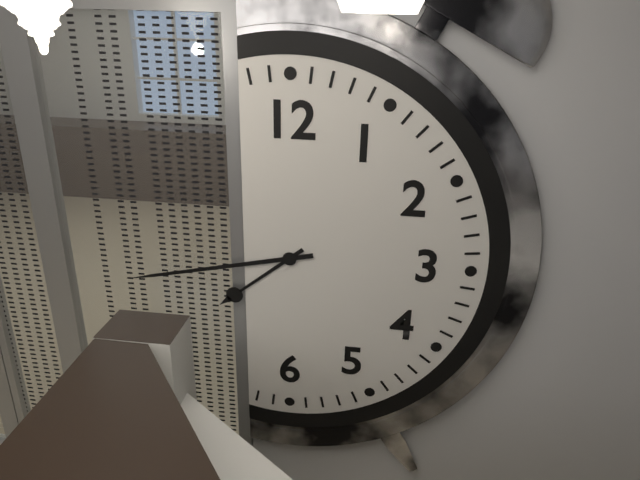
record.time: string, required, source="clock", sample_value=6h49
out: 7h43
